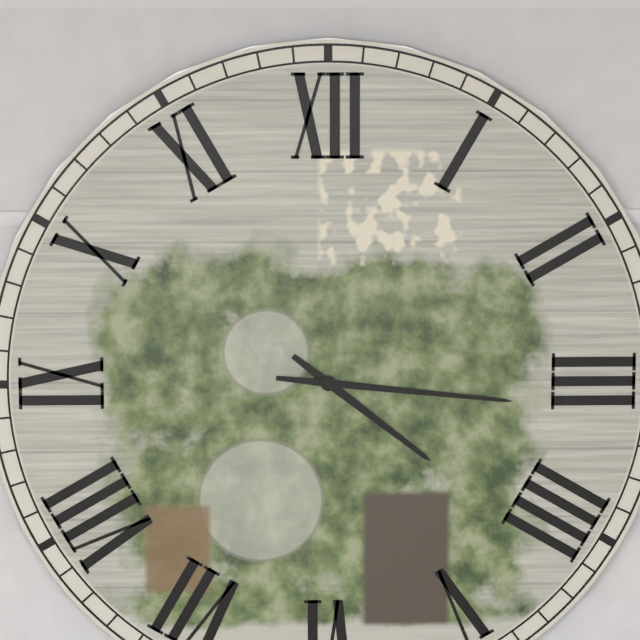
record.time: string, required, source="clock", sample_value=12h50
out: 4h16
